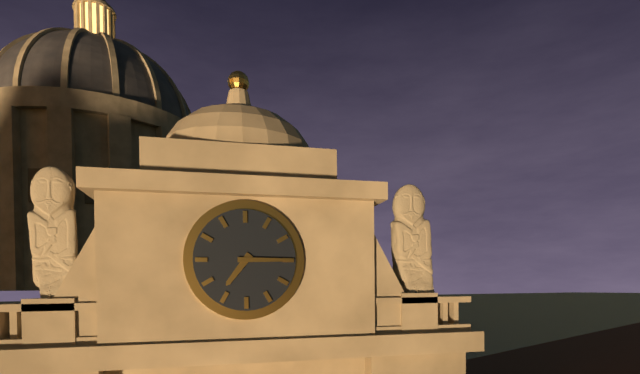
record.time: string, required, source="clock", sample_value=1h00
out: 7h15
